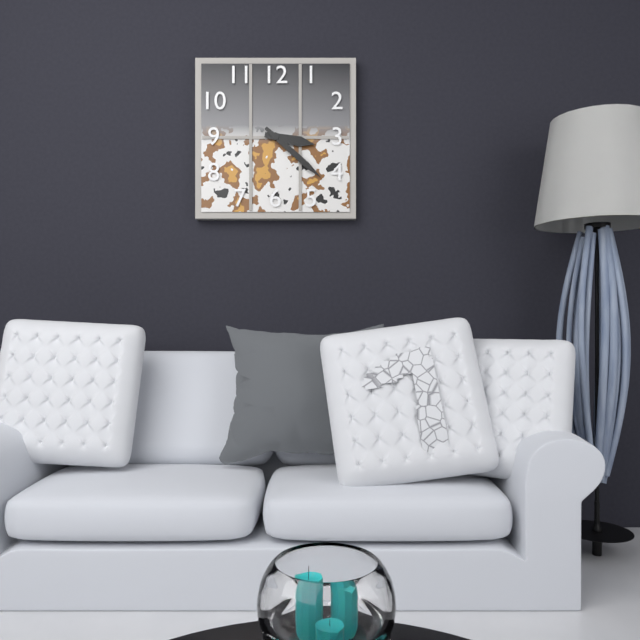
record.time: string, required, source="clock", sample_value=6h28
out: 3h22
